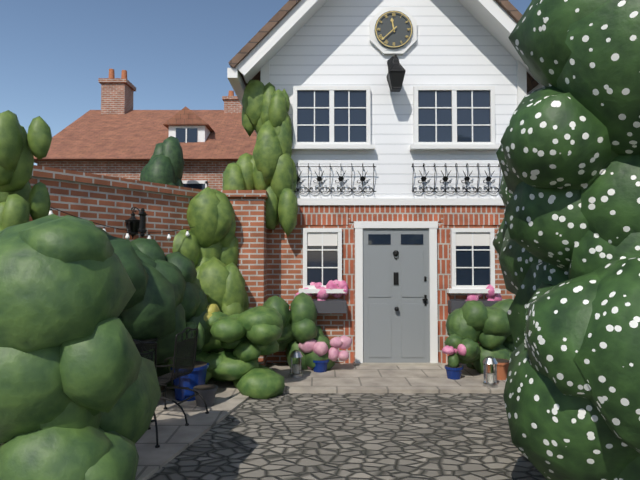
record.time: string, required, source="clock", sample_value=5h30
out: 11h38
